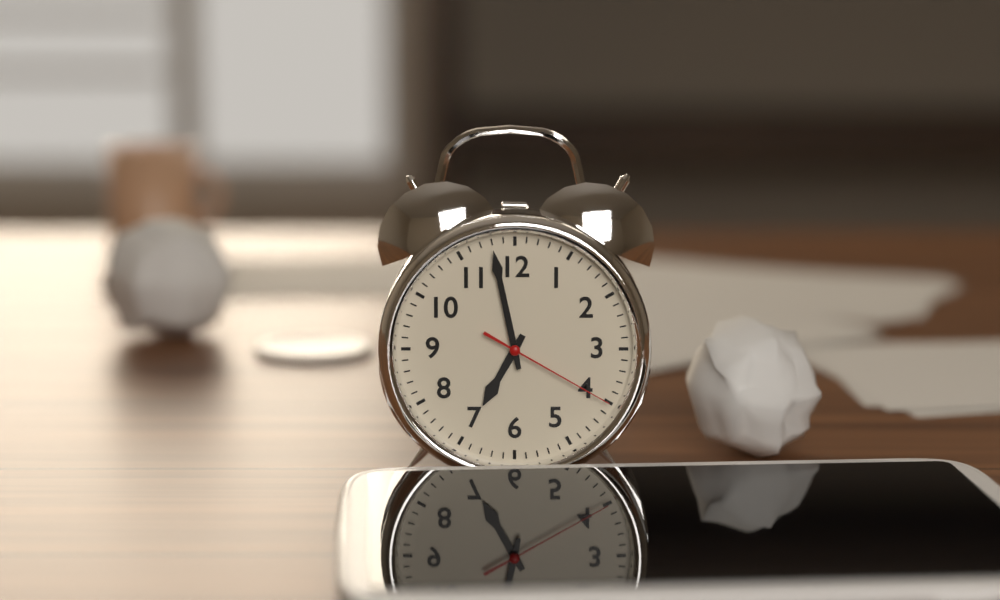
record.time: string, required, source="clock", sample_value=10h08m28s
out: 6h58m20s
